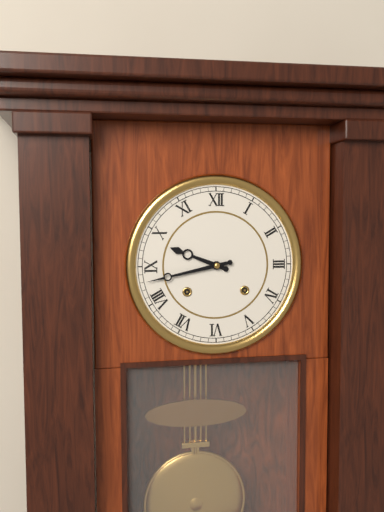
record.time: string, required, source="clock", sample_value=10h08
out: 9h43
